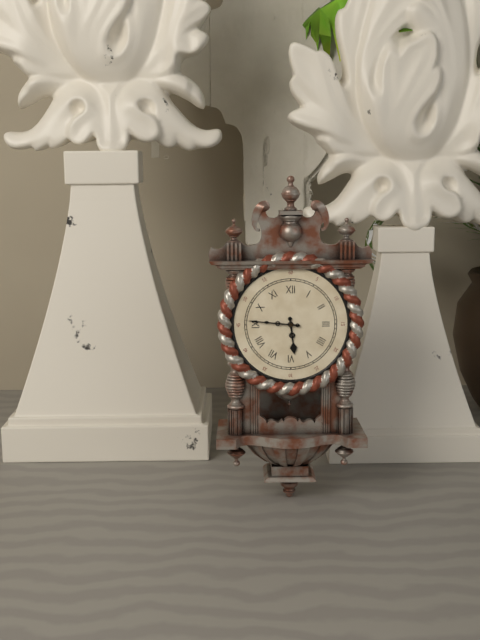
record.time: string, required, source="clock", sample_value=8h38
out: 5h46
